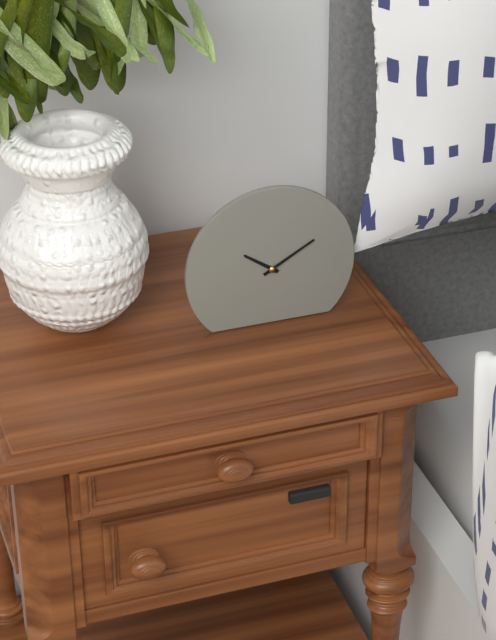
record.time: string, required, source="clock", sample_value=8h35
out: 10h10
